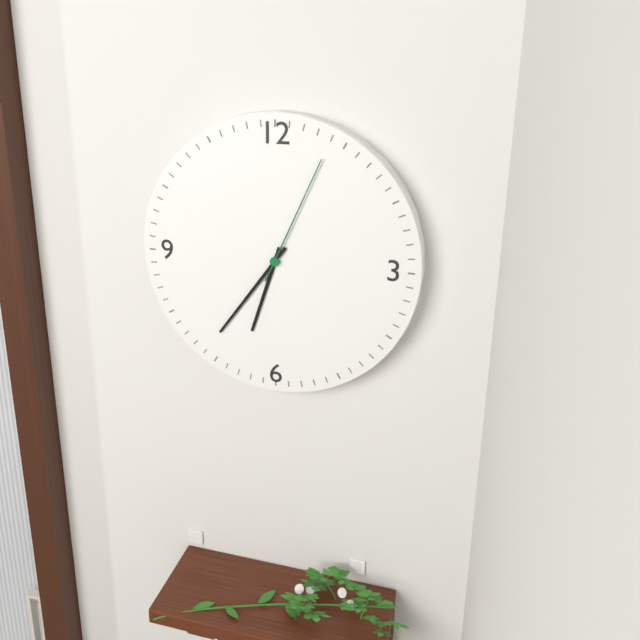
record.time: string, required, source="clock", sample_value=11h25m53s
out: 6h36m04s
